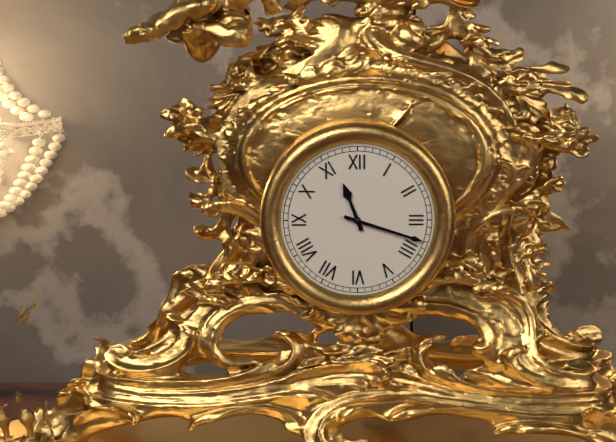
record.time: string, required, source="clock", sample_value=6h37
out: 11h18
